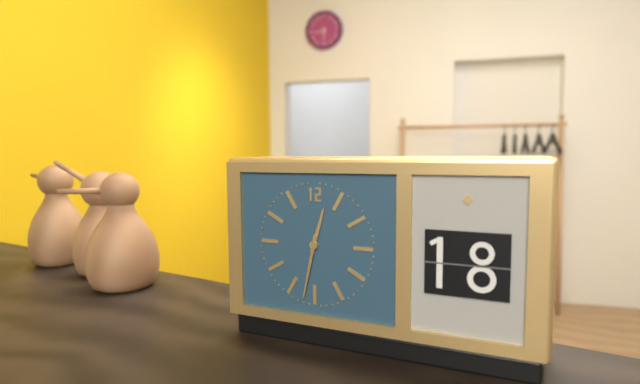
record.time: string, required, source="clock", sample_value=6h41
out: 12h32
